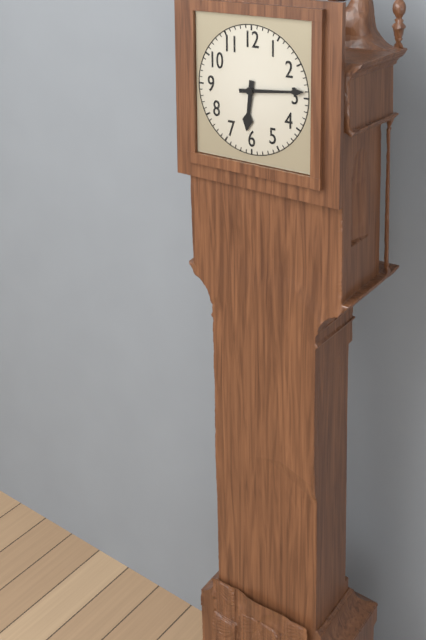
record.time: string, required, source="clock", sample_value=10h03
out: 6h14
